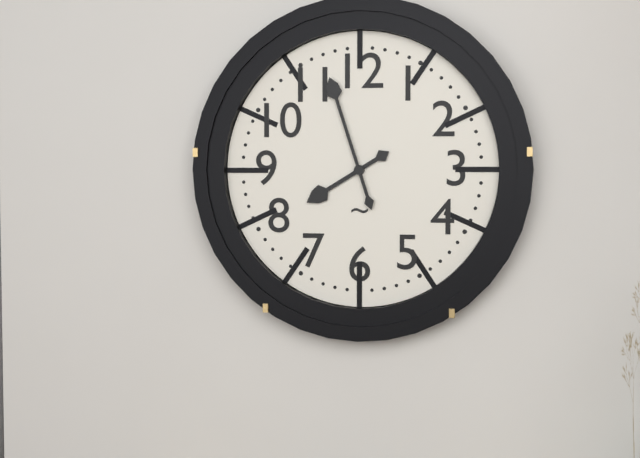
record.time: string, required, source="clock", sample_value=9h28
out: 7h57
